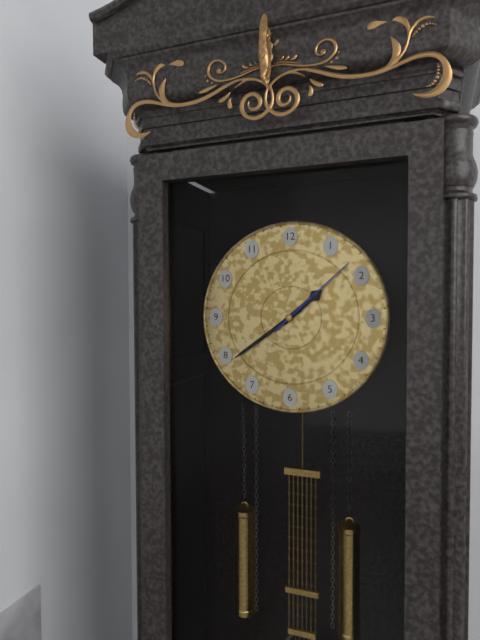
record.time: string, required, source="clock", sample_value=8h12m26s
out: 1h39m08s
